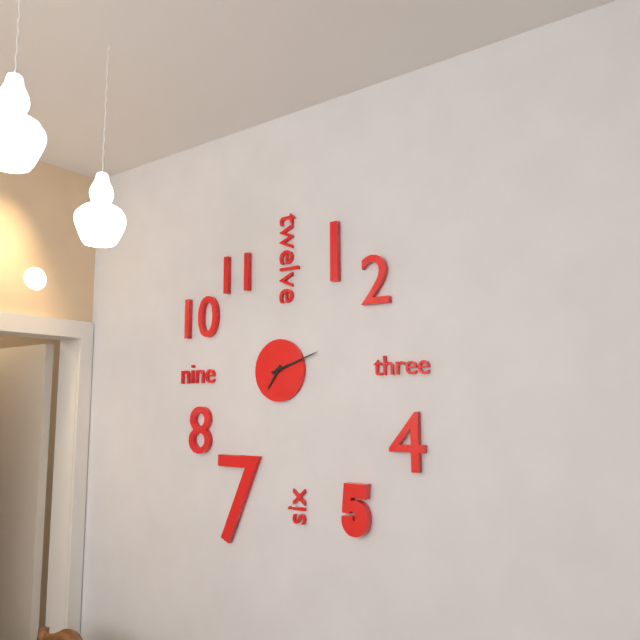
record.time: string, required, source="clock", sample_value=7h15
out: 7h12
